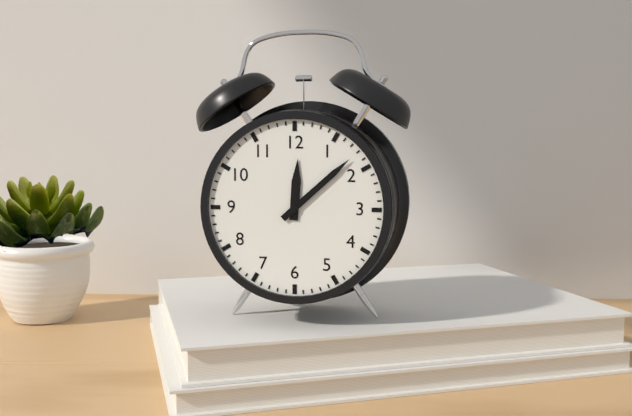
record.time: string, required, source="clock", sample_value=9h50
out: 12h08
